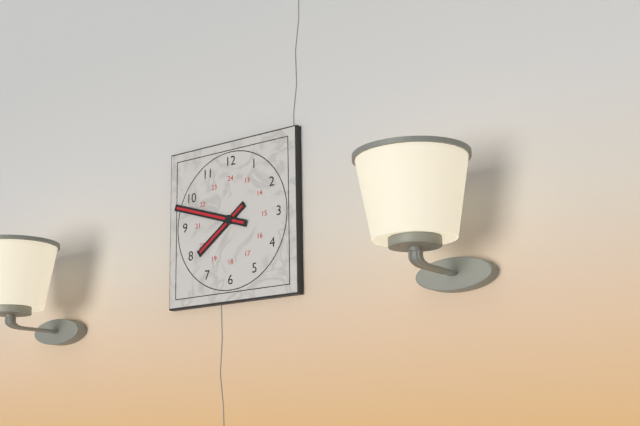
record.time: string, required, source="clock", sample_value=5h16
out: 7h48
